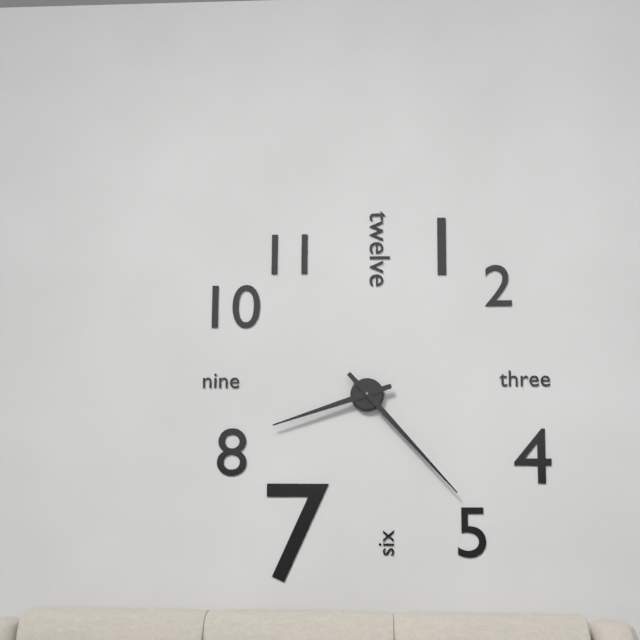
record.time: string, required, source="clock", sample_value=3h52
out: 8h23
